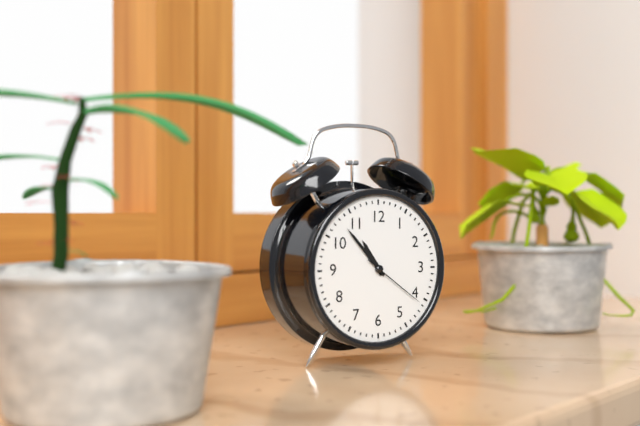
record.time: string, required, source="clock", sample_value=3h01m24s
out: 10h53m21s
